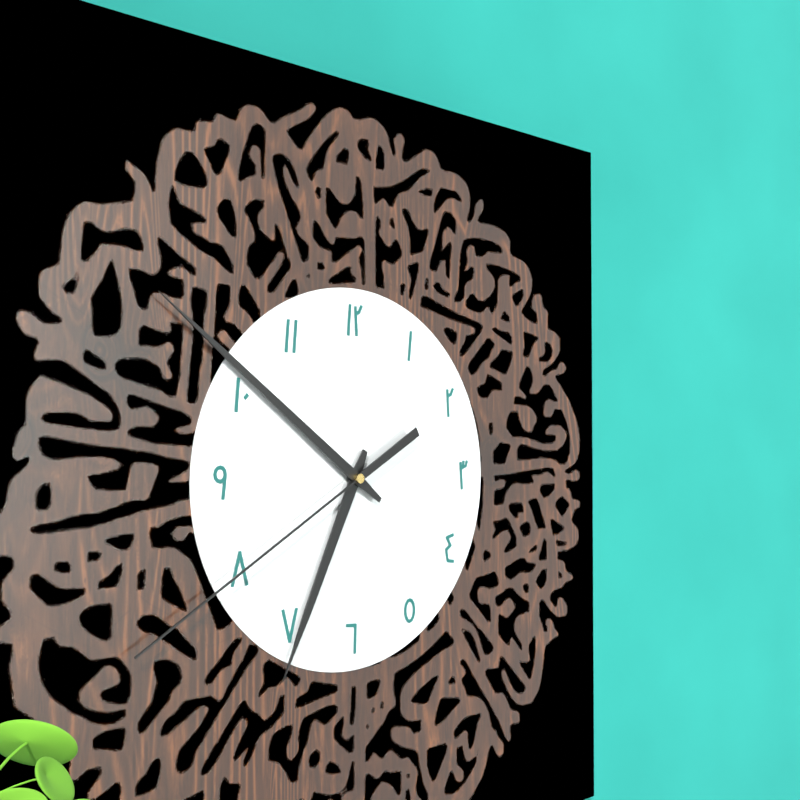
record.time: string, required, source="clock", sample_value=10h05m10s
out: 6h51m40s
